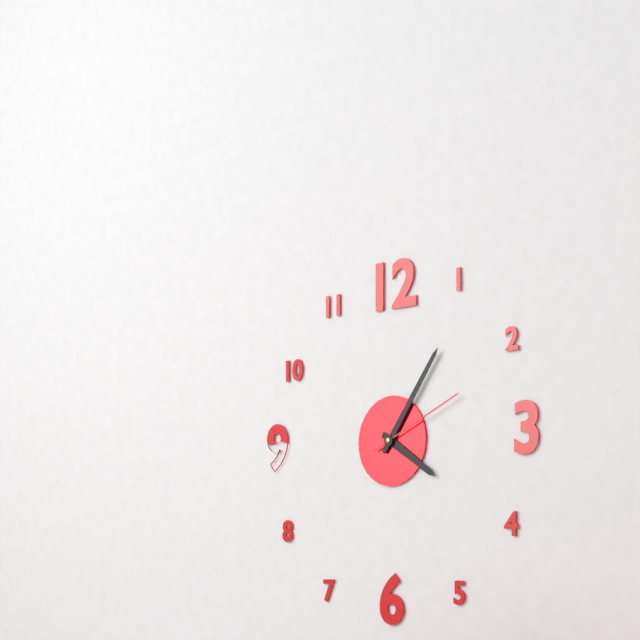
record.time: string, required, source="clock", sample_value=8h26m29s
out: 4h06m11s
